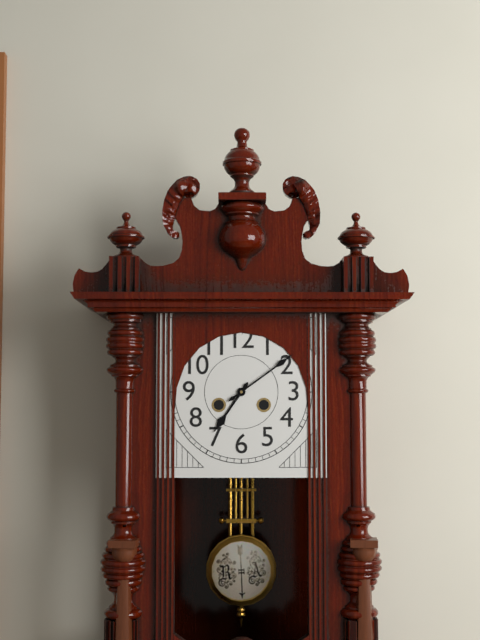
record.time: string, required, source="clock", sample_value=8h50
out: 7h09
